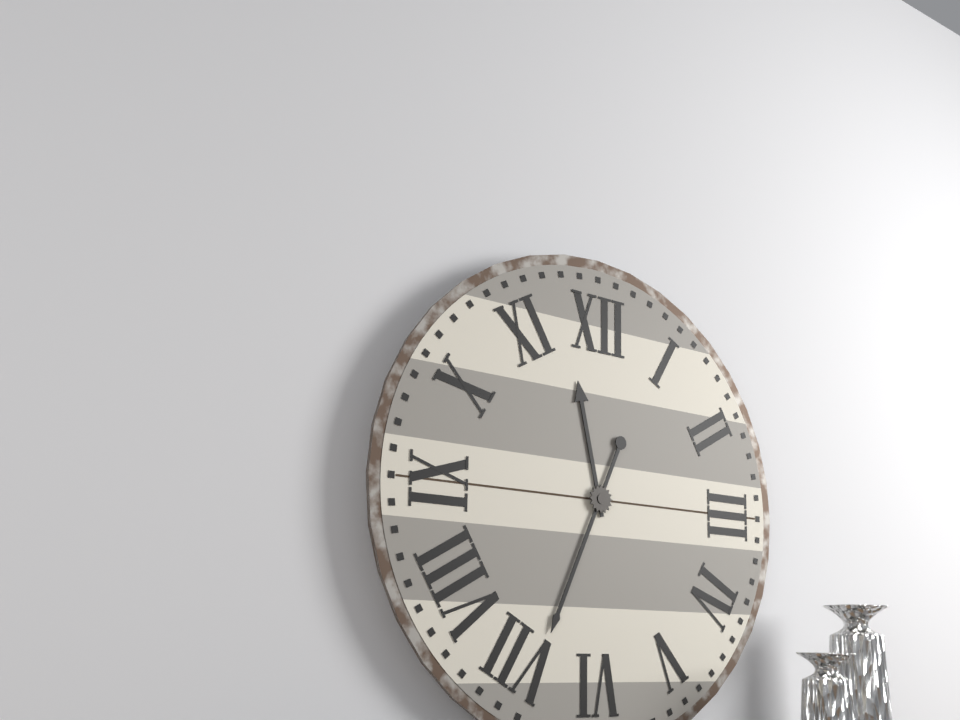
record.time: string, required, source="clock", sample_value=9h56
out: 11h34
